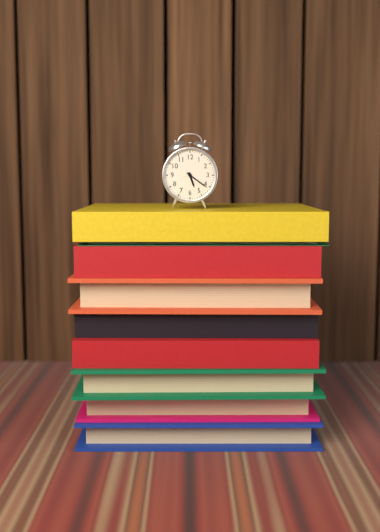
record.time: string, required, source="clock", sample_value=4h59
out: 5h21
